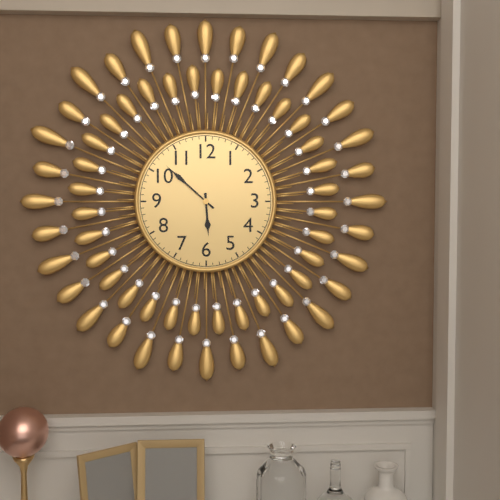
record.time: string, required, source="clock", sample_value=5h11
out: 5h52
